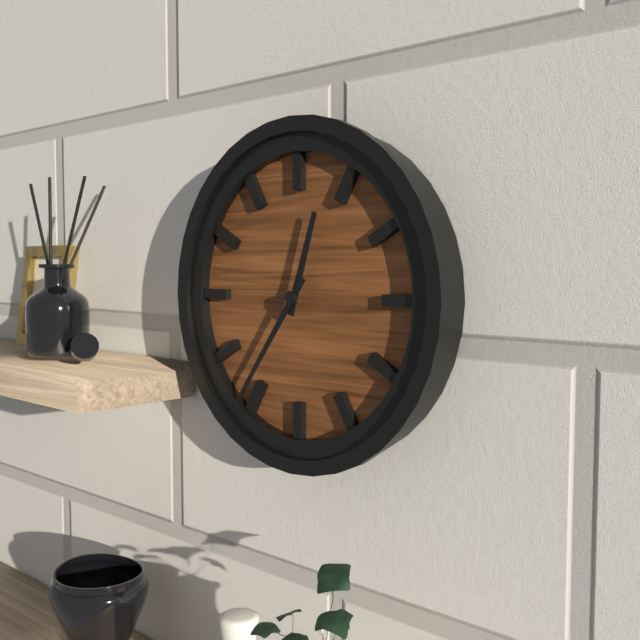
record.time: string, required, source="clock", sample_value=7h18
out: 12h36
